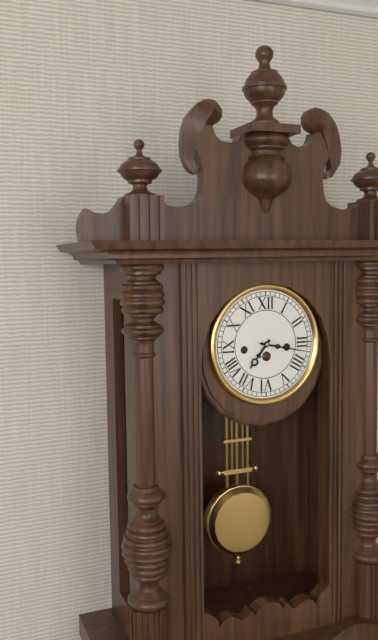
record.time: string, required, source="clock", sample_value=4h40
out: 7h17
